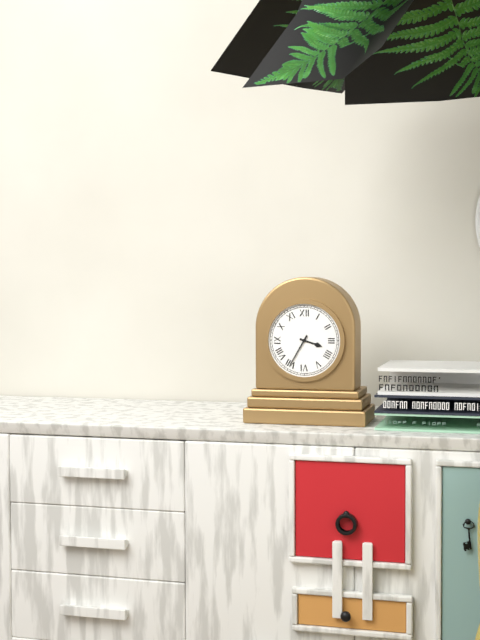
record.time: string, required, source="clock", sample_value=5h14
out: 3h35
